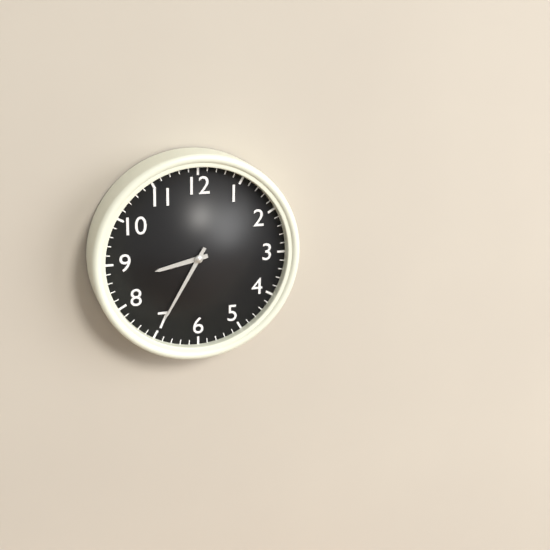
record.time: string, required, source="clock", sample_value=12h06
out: 8h35
